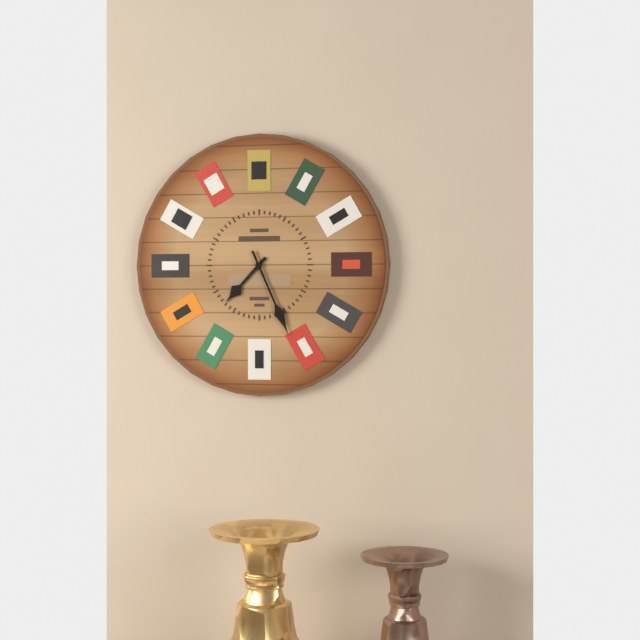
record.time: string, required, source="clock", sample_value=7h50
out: 7h26
